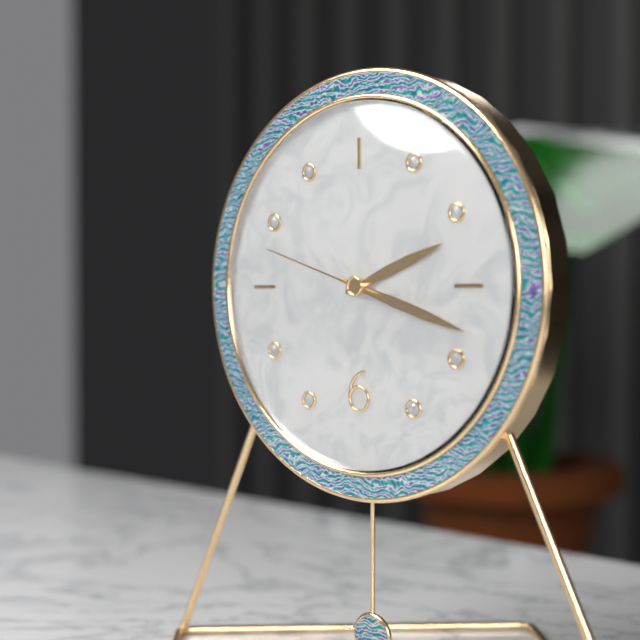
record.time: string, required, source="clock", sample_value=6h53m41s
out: 2h18m48s
